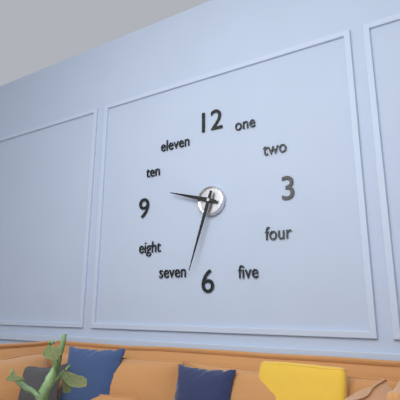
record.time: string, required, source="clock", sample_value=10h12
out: 9h33
